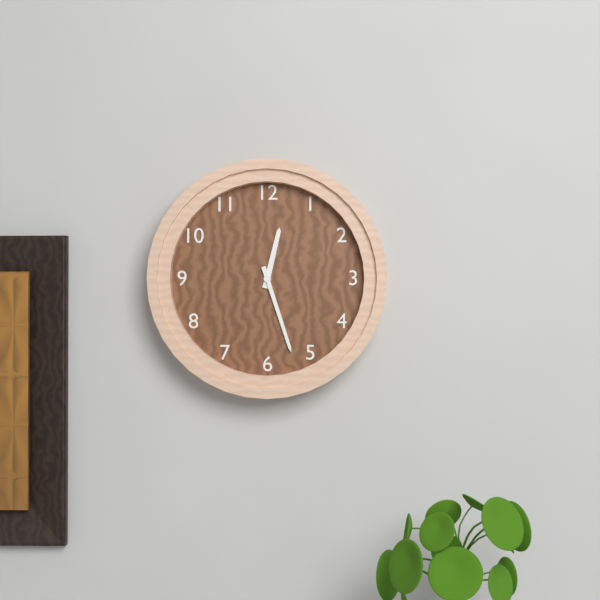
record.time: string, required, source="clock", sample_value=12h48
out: 12h27
